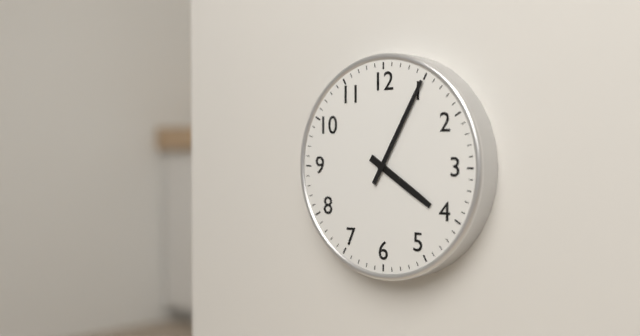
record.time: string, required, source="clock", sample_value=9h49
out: 4h05
